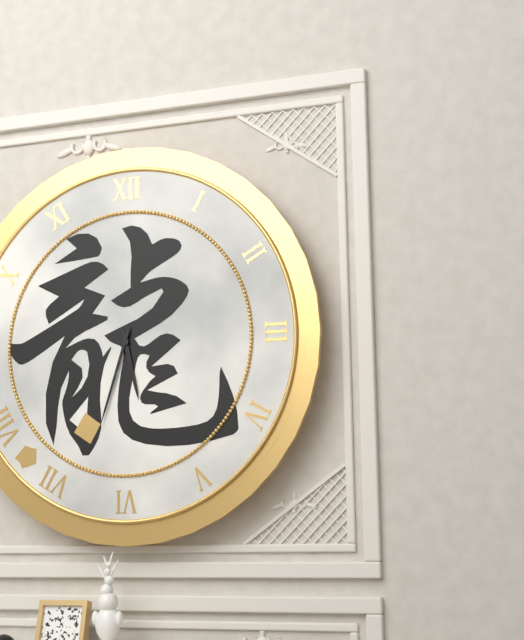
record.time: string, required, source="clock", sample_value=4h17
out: 5h33
